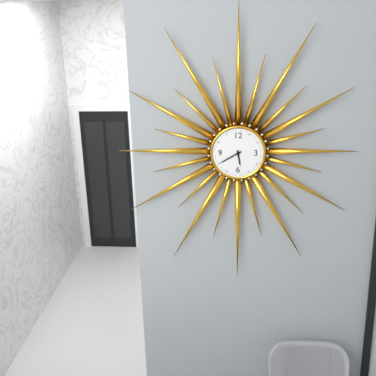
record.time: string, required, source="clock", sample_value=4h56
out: 5h40
